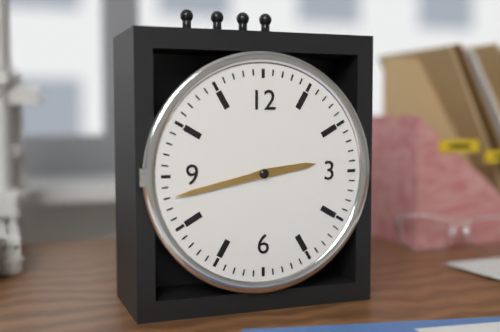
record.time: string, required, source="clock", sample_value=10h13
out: 2h43
